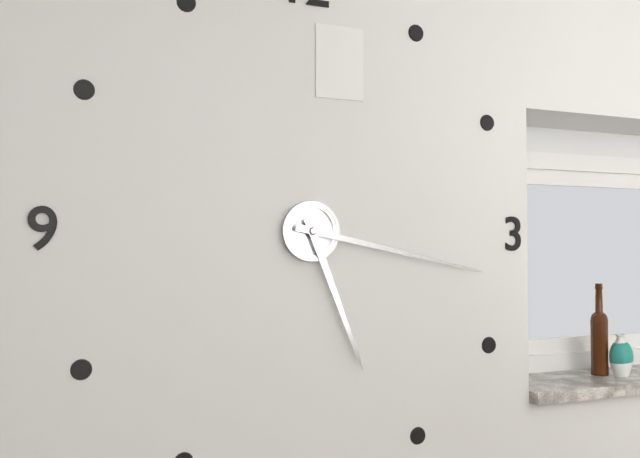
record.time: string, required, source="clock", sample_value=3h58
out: 5h17
